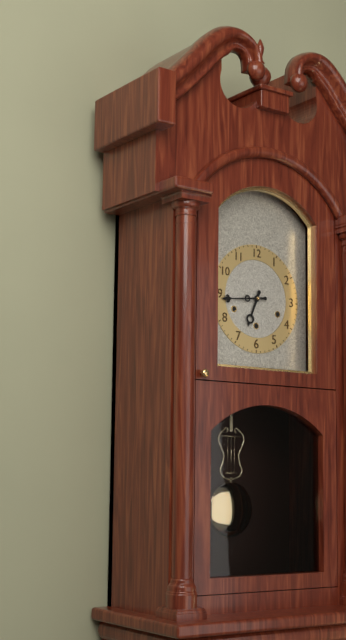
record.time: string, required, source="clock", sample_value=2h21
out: 6h44
